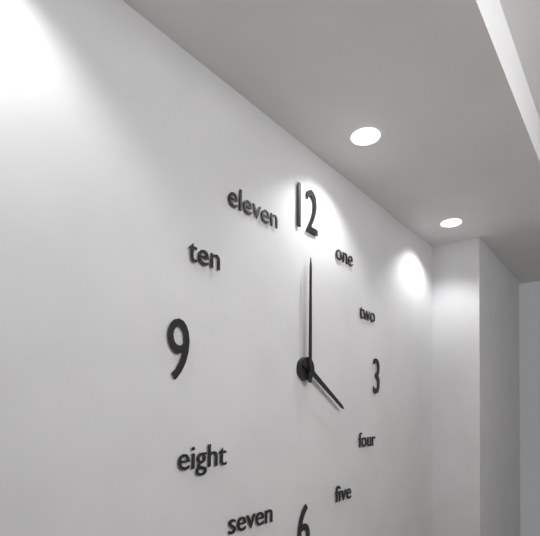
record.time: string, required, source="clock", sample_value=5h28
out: 4h00
